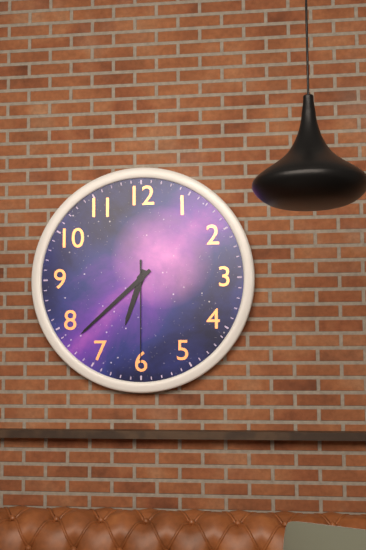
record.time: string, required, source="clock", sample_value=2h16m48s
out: 6h38m30s
